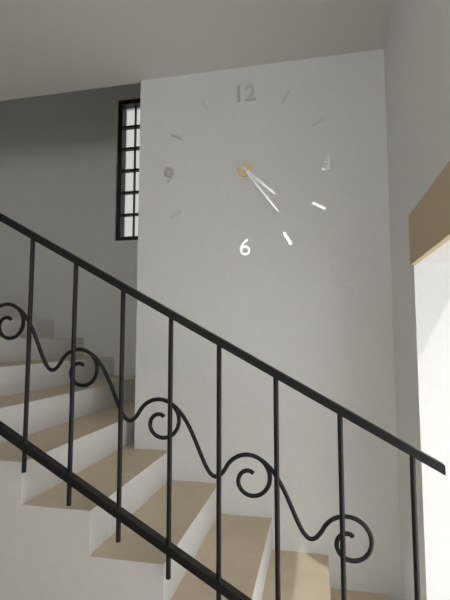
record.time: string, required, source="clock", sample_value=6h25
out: 4h24
